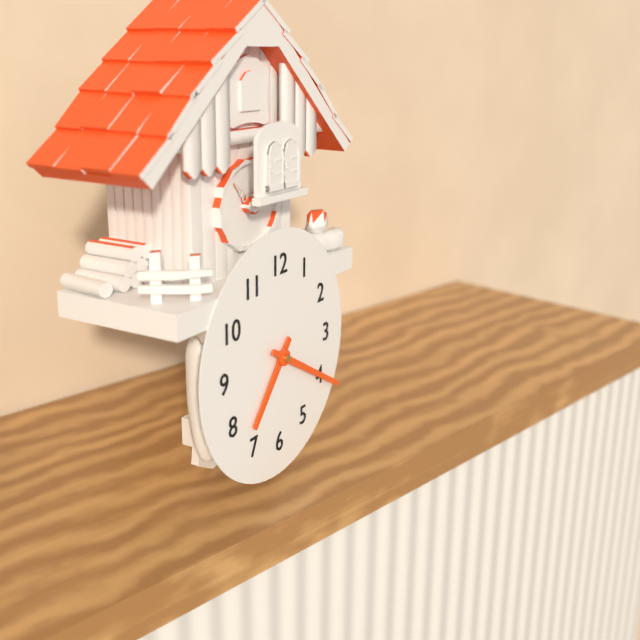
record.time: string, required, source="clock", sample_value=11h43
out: 7h20
